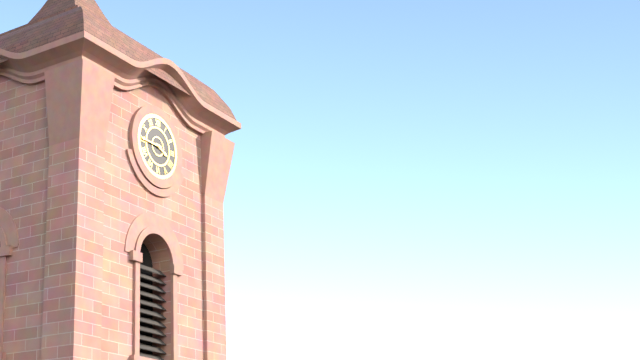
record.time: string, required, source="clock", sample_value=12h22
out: 3h45
